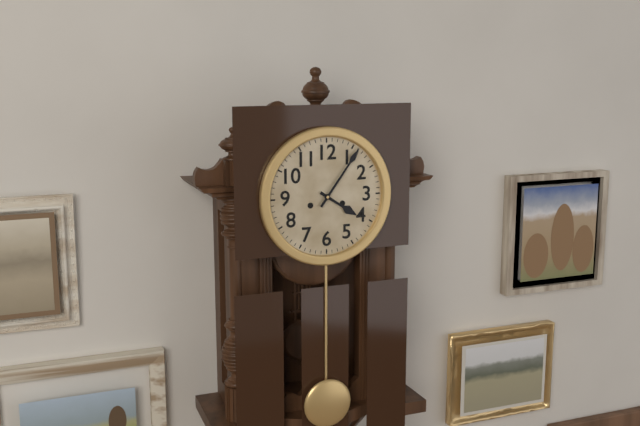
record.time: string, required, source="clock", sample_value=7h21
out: 4h06
